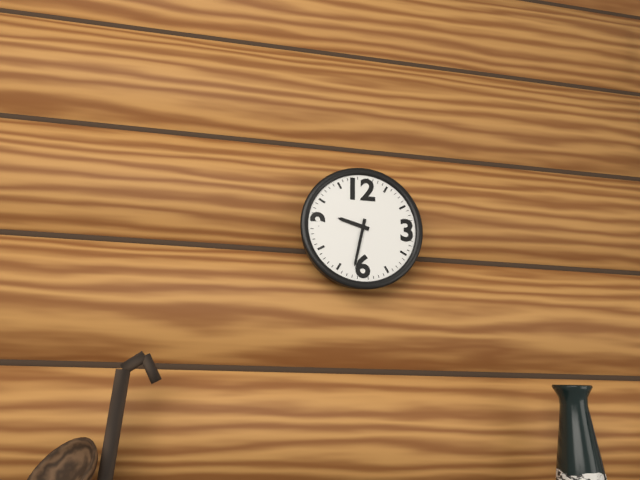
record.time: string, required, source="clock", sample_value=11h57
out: 9h32
